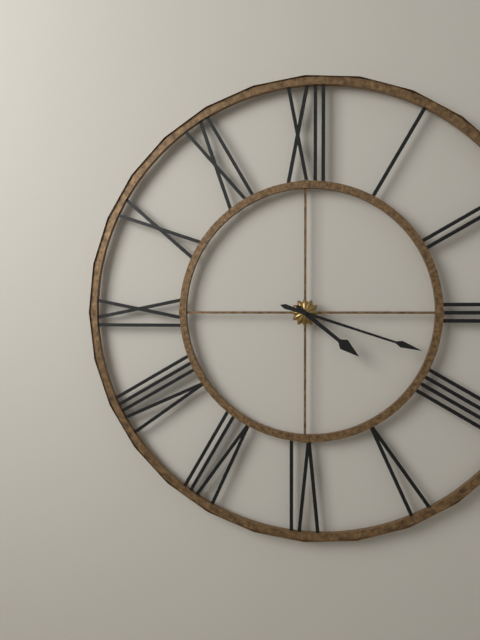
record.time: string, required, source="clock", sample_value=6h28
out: 4h18
